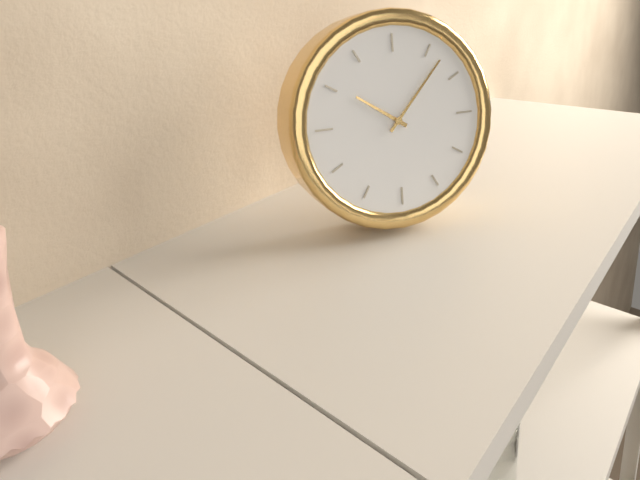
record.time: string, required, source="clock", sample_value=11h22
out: 10h07
